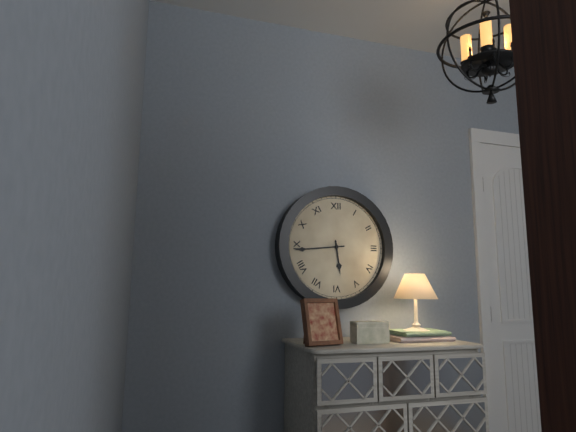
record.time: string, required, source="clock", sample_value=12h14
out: 5h44
